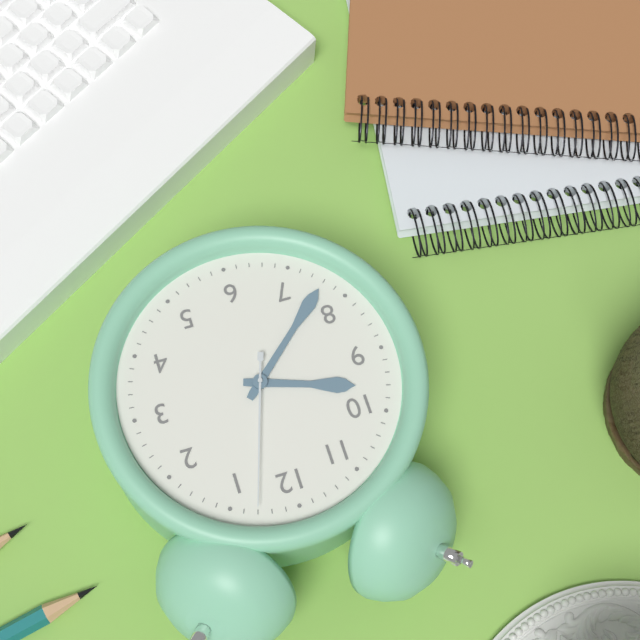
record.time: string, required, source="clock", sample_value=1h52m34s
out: 9h38m03s
